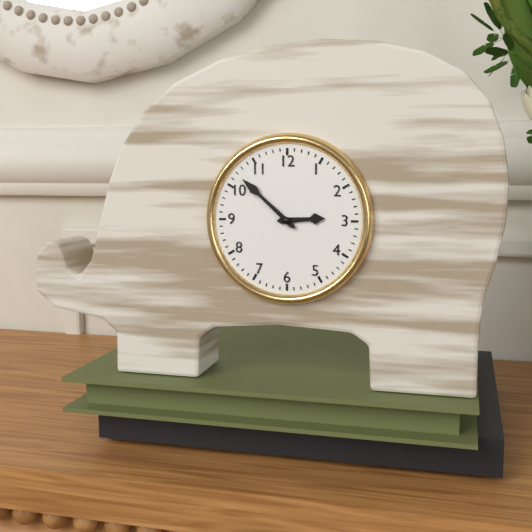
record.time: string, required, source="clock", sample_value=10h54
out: 2h52
